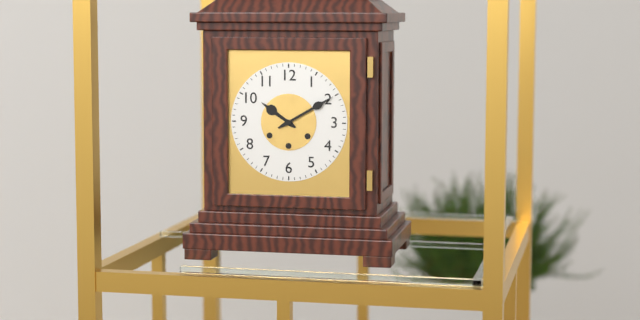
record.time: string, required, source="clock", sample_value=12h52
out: 10h10
